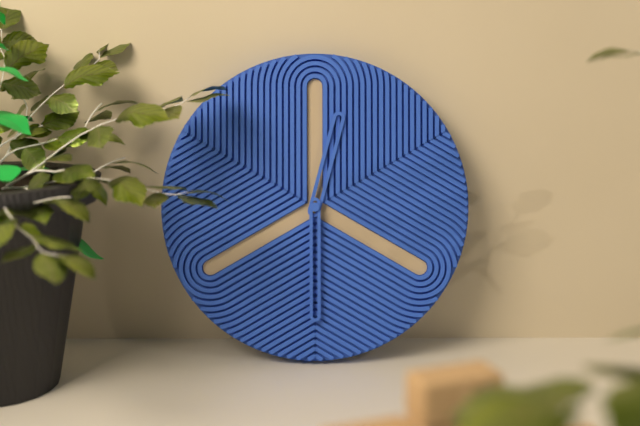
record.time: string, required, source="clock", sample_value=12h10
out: 12h30
